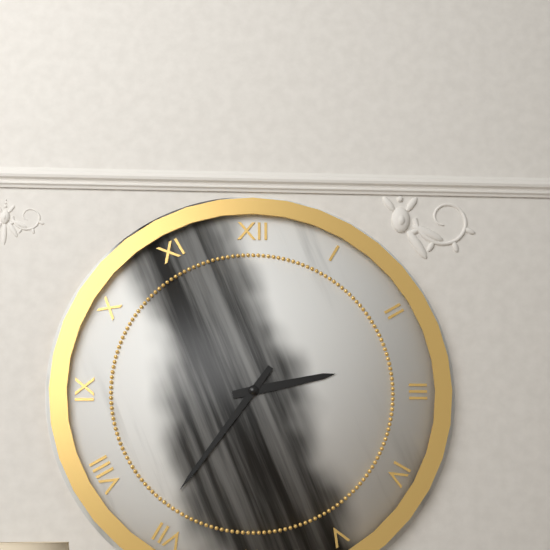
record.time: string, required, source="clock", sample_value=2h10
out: 2h36
